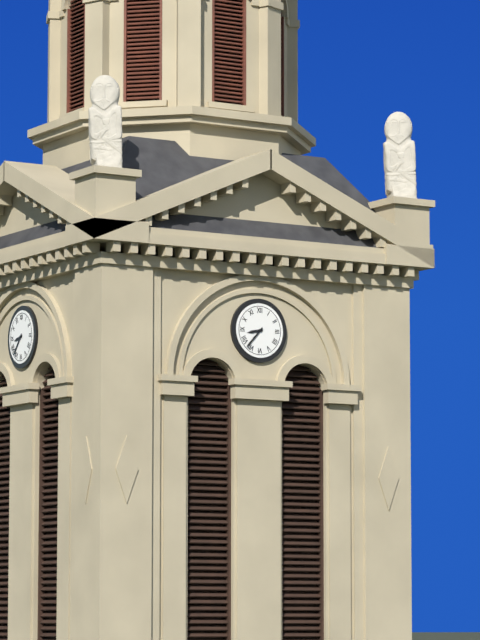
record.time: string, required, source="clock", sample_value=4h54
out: 8h37
